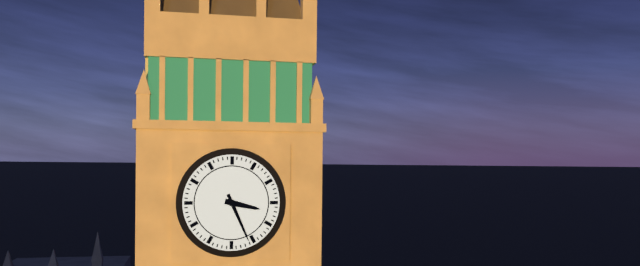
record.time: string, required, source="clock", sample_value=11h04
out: 3h26
